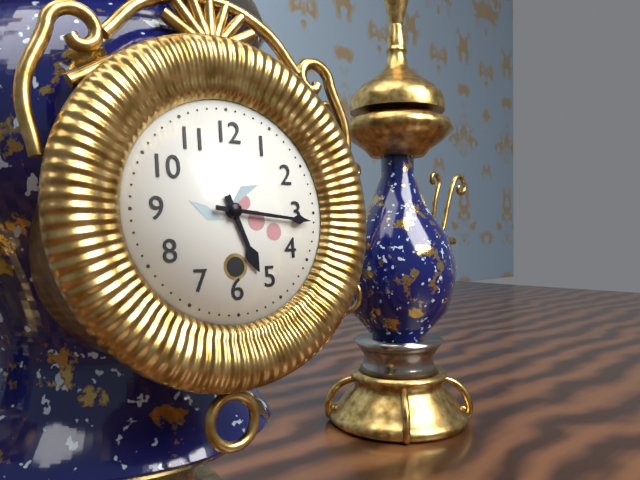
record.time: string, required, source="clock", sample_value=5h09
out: 5h16
